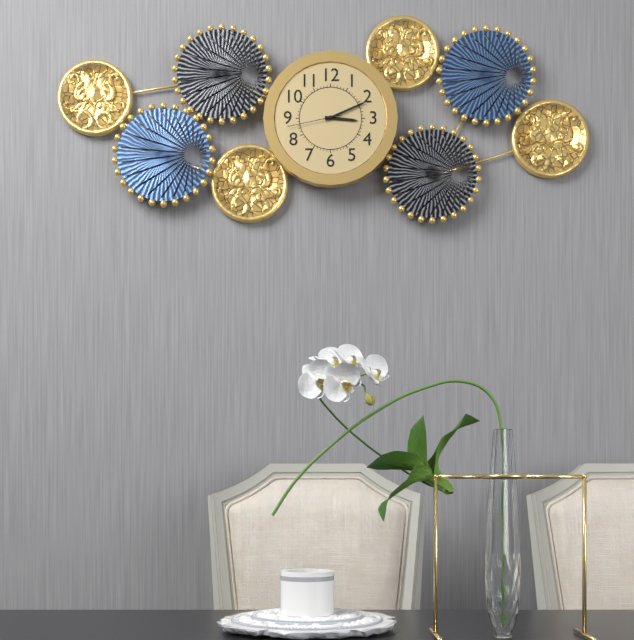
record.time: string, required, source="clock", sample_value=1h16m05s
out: 3h11m43s
